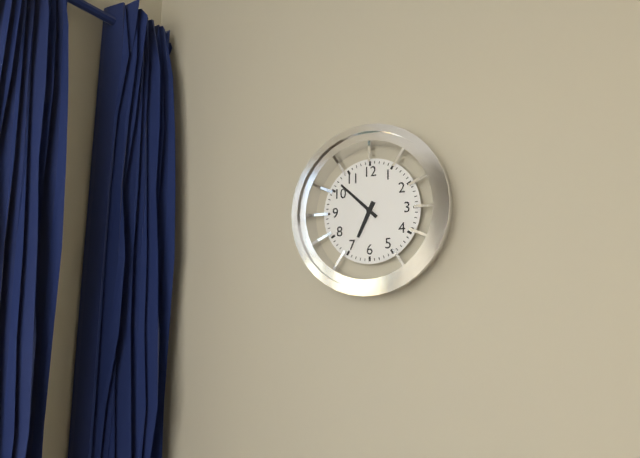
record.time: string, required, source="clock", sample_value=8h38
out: 6h52
